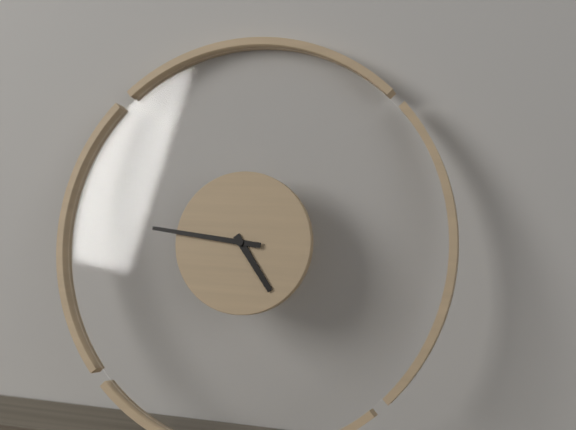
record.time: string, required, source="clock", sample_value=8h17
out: 4h46
